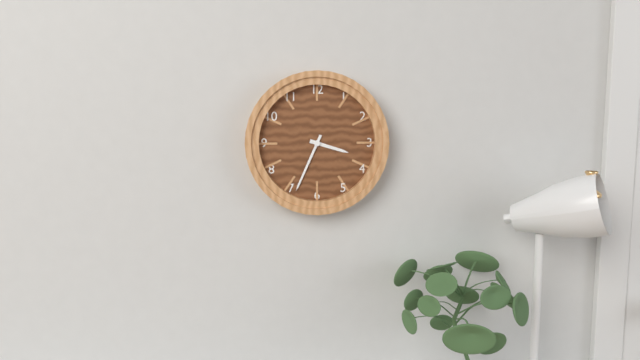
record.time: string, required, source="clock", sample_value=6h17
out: 3h34
